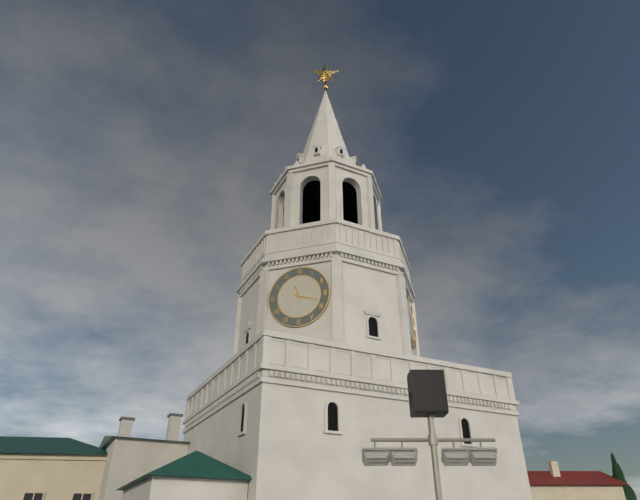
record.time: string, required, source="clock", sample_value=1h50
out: 11h18
